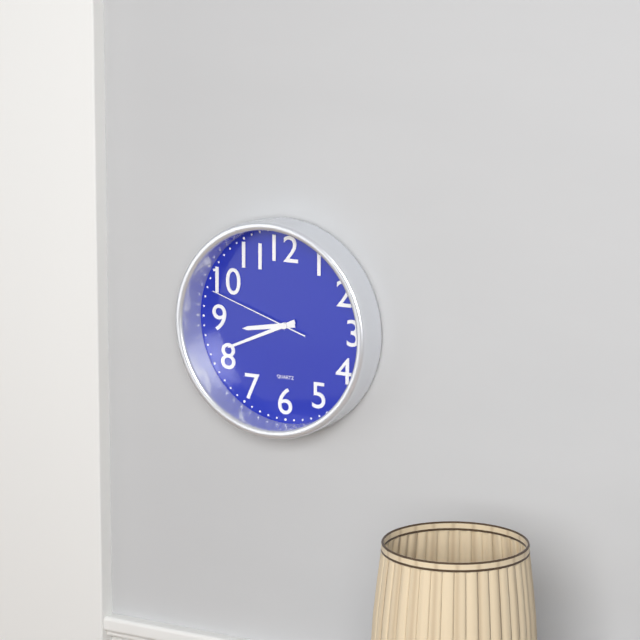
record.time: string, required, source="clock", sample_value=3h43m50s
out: 8h41m48s
